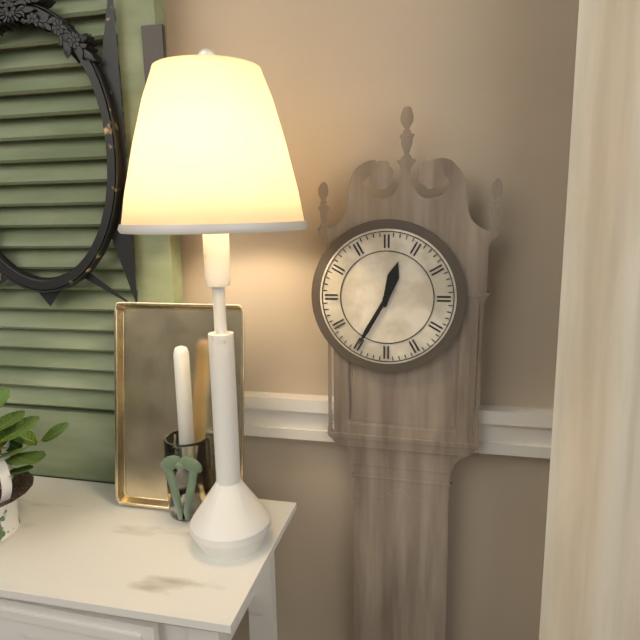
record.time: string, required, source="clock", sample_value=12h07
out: 12h35
